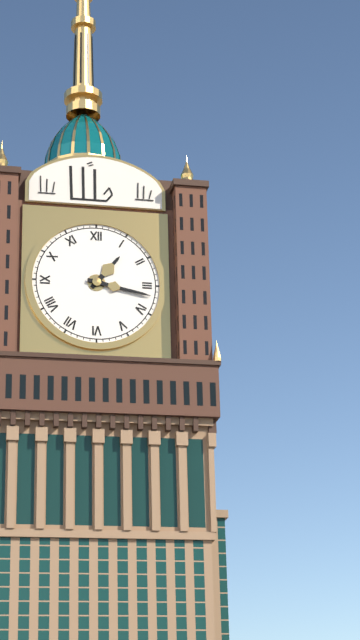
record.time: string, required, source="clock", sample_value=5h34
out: 1h17
